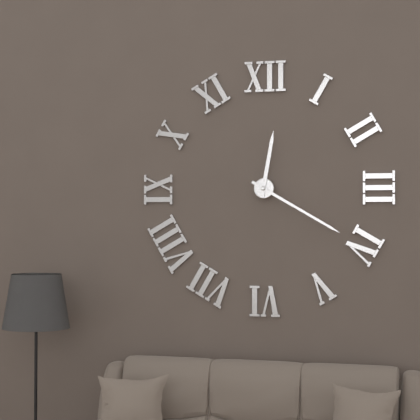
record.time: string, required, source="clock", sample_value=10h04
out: 12h20
